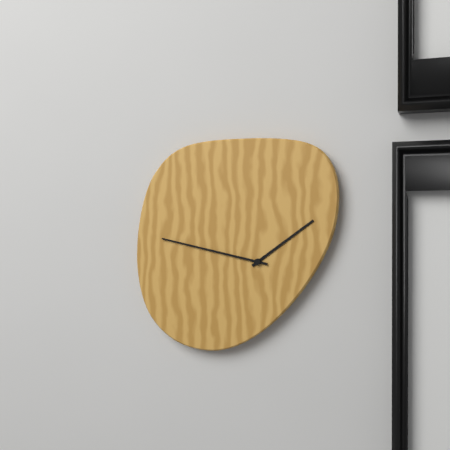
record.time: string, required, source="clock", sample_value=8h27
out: 1h47
